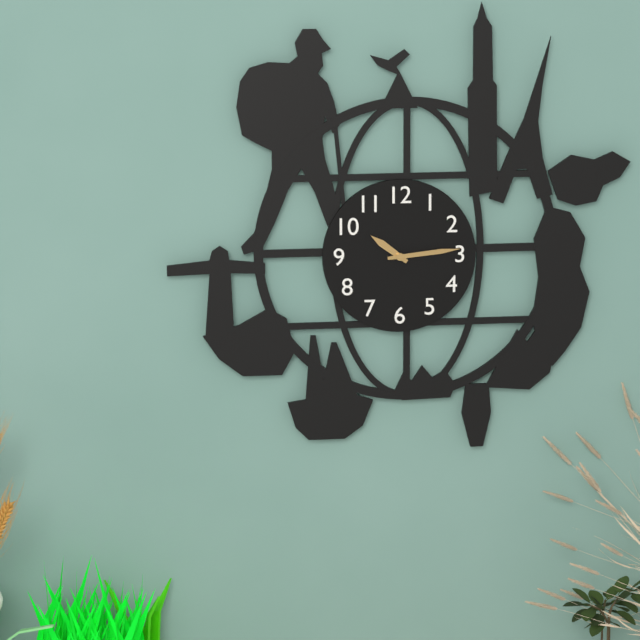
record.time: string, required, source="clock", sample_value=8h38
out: 10h14
